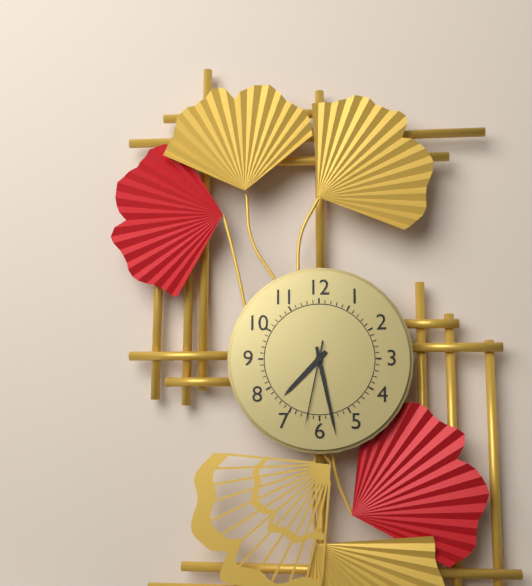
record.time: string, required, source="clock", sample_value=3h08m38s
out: 7h28m32s
